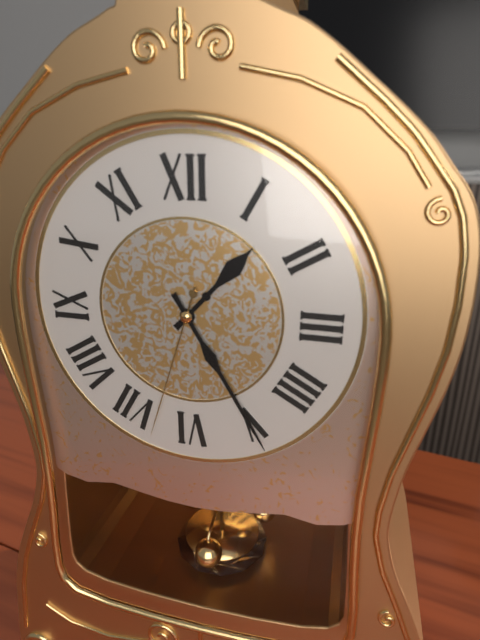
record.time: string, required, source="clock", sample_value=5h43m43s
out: 1h25m33s
